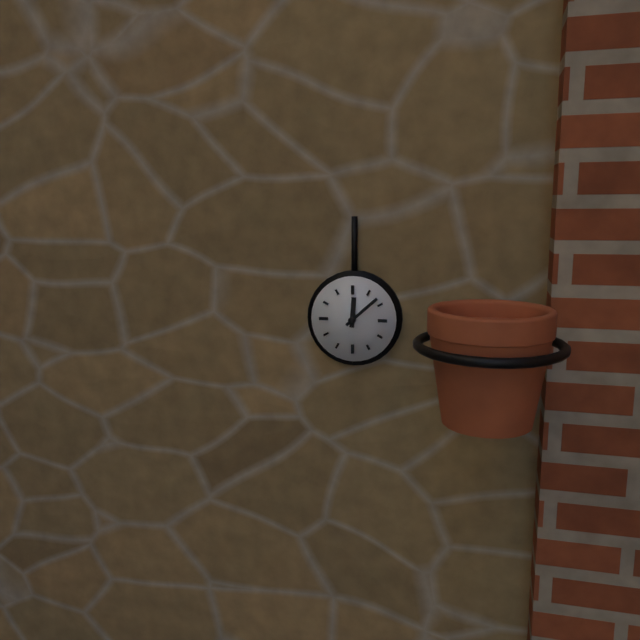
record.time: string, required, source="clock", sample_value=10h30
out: 12h08
